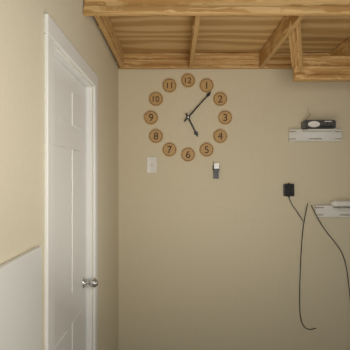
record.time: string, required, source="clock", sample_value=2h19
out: 5h07
